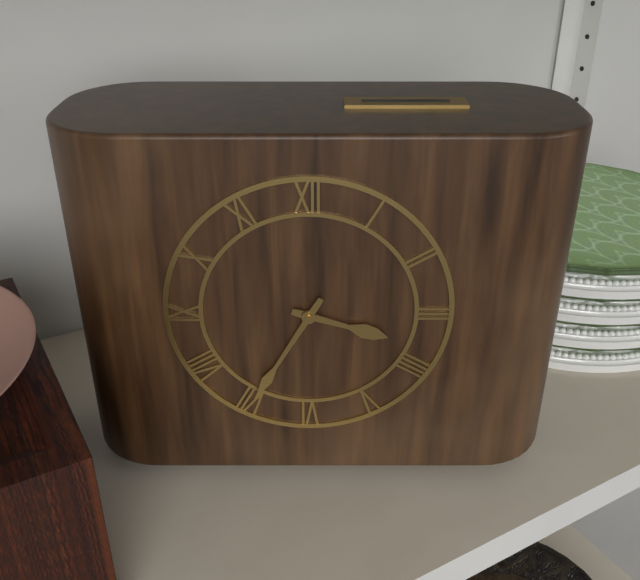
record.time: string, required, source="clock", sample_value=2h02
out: 3h35
